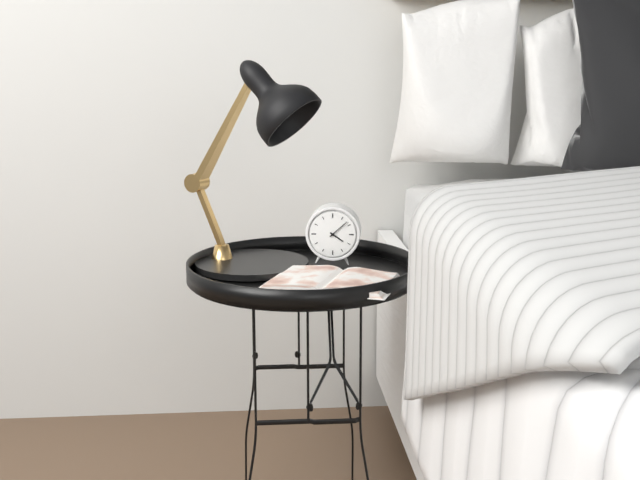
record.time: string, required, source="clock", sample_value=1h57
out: 4h08
